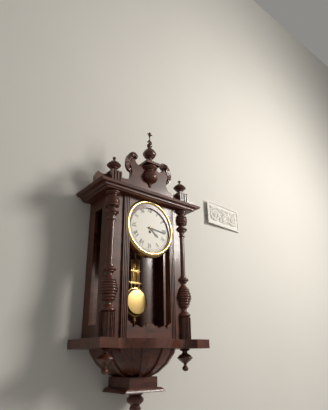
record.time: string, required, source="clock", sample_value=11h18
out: 4h16
